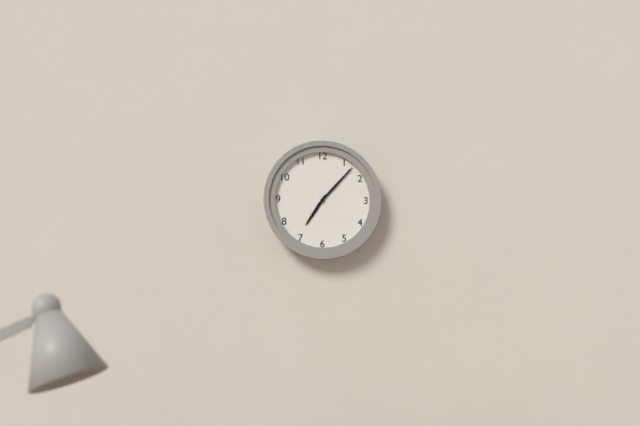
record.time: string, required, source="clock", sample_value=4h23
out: 7h07
